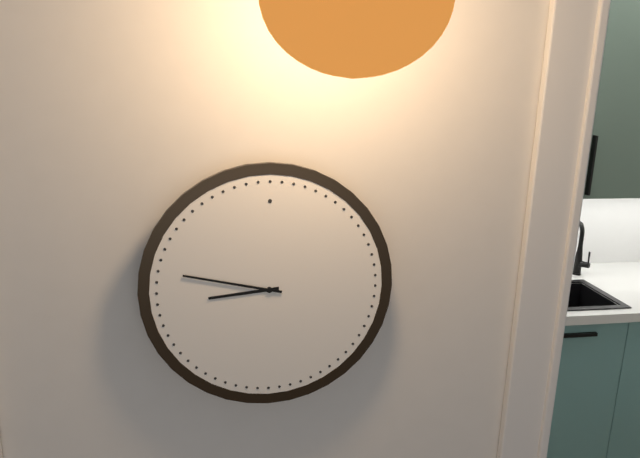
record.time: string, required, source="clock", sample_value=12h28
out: 8h47
